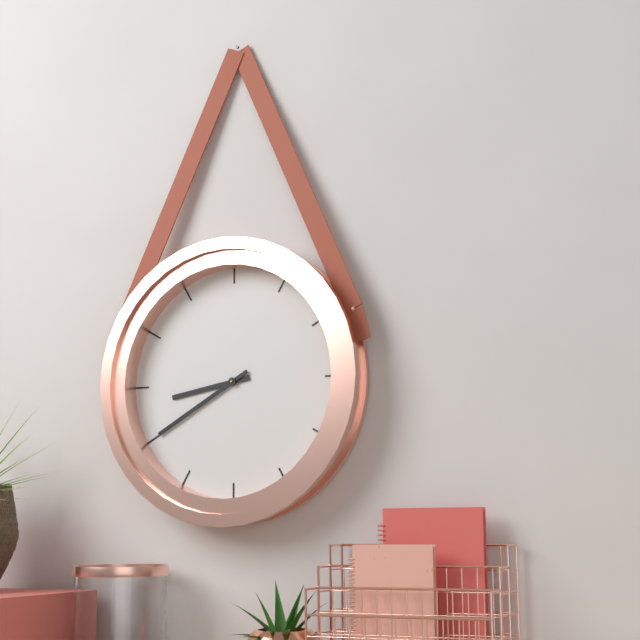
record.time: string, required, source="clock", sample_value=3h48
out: 8h40
